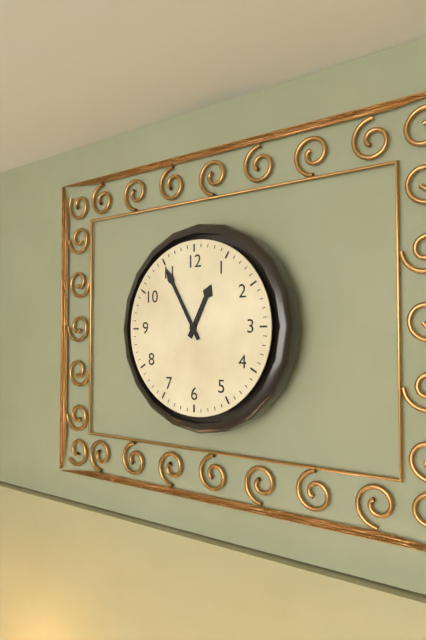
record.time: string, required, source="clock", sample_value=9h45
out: 12h55
